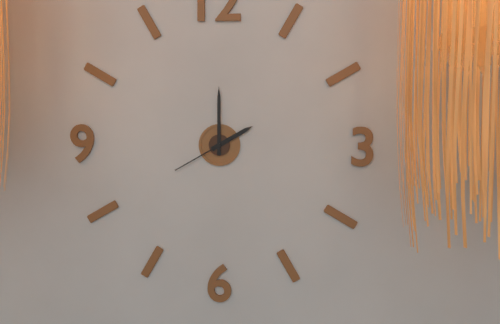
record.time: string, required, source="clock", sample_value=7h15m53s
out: 2h00m40s
